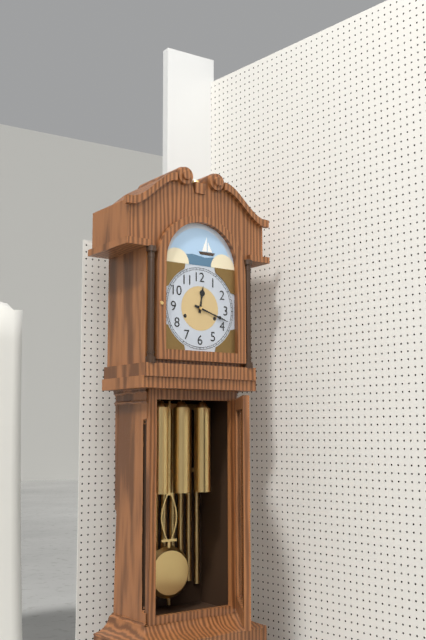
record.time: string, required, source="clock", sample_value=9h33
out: 12h18
